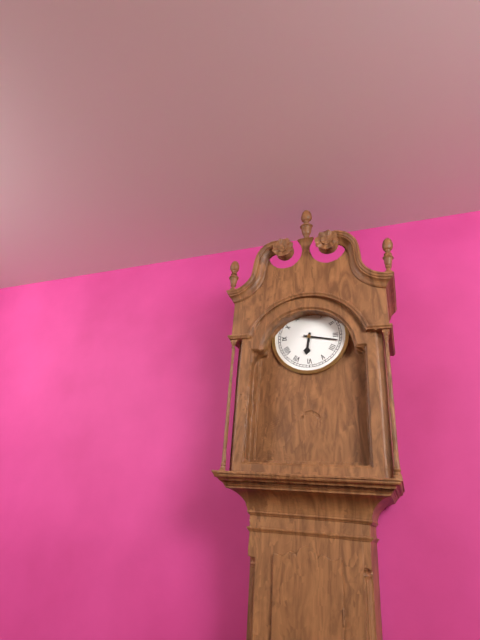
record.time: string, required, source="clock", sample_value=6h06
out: 6h17
